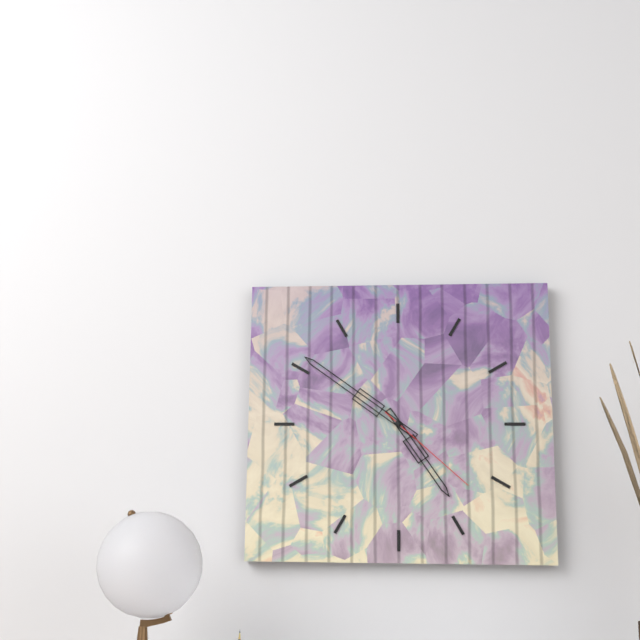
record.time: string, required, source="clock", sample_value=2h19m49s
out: 4h51m22s
